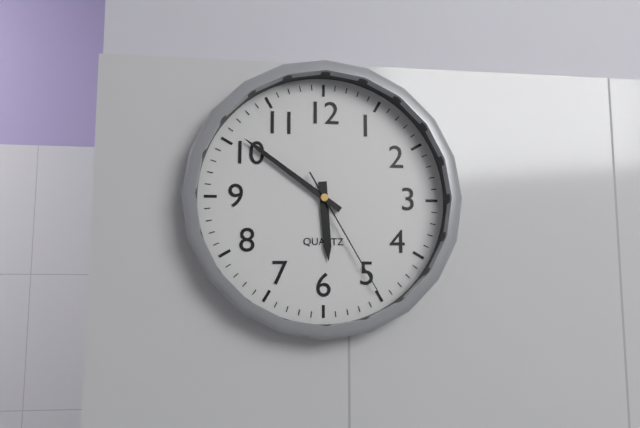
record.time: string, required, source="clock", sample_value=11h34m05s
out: 5h51m25s
